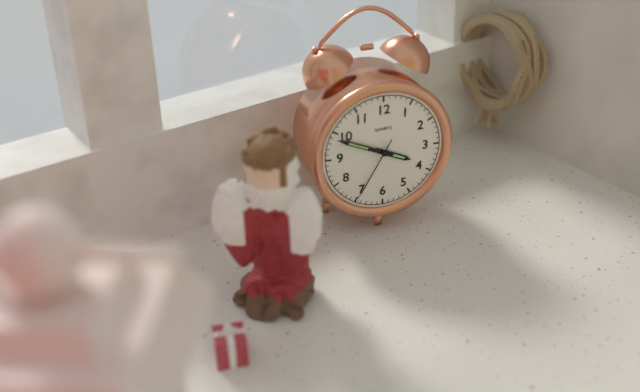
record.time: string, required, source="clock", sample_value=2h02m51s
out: 3h49m35s
